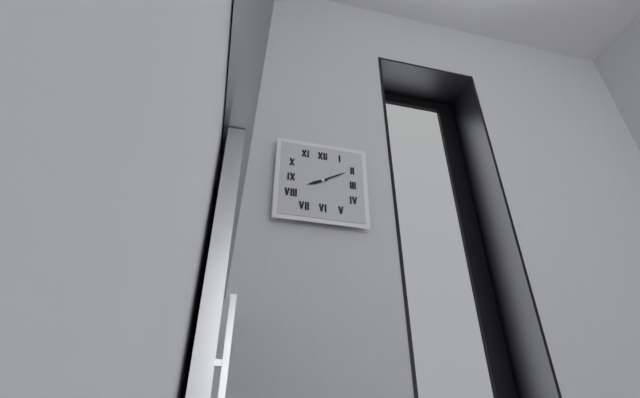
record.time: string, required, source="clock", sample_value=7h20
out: 8h10
